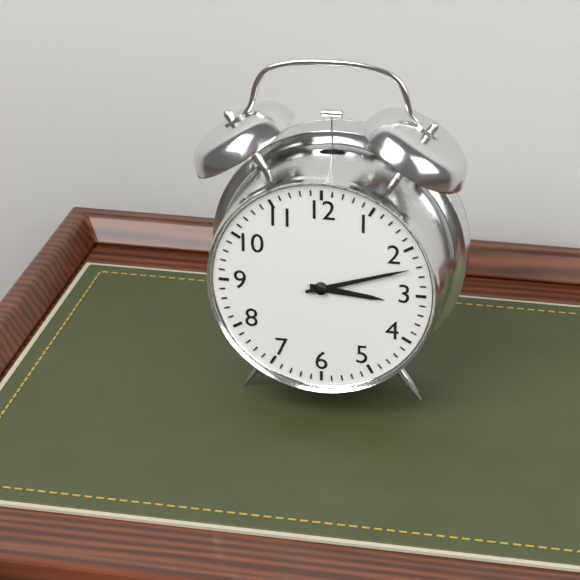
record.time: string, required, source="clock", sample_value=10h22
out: 3h12
